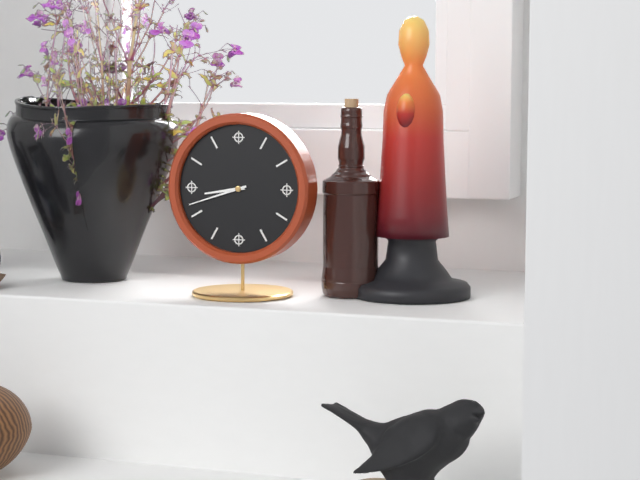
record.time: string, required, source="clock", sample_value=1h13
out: 8h42
